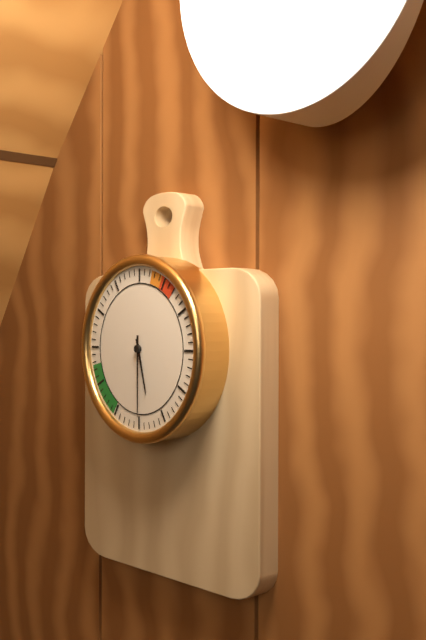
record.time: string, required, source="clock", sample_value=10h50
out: 5h30
